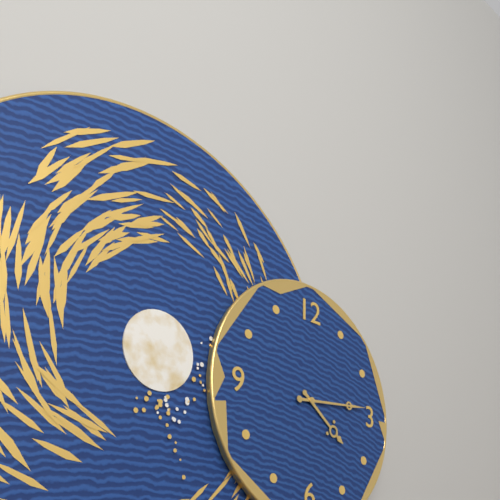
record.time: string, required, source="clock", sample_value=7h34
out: 4h14
